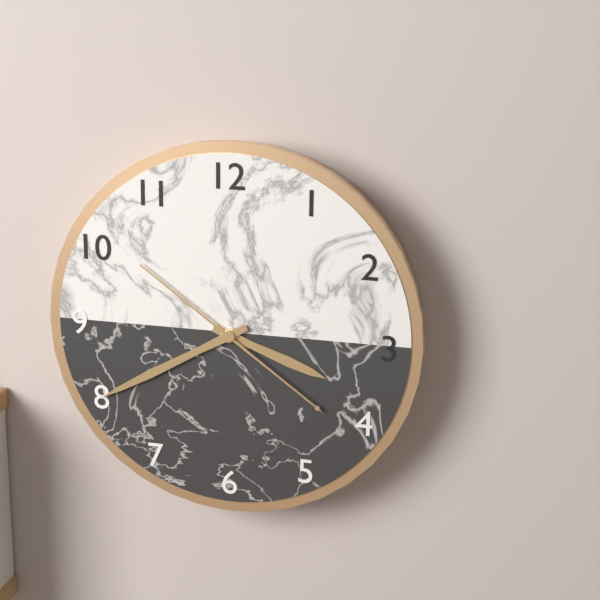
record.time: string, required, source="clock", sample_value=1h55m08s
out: 3h40m21s
